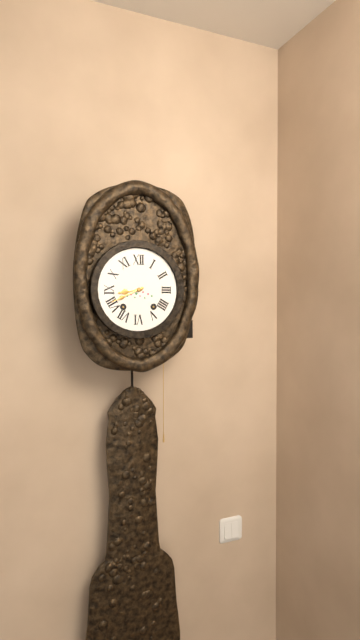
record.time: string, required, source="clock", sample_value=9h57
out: 8h41
